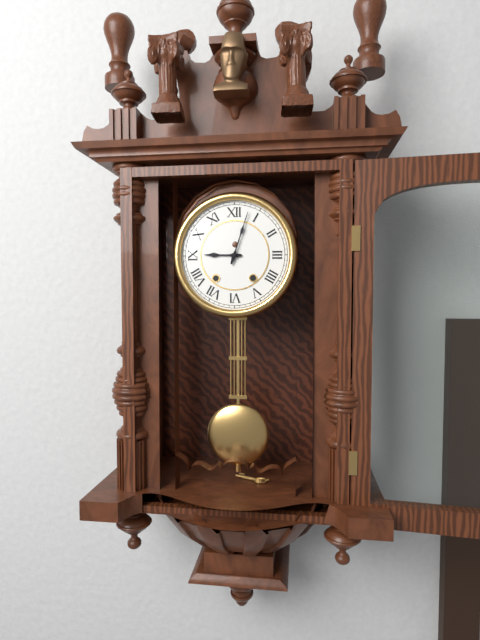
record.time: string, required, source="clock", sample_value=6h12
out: 9h03
